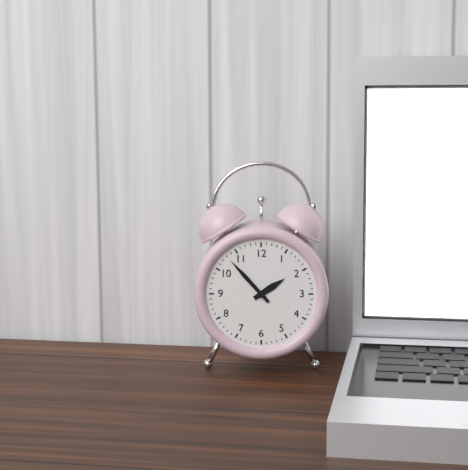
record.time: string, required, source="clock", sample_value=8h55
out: 1h53
